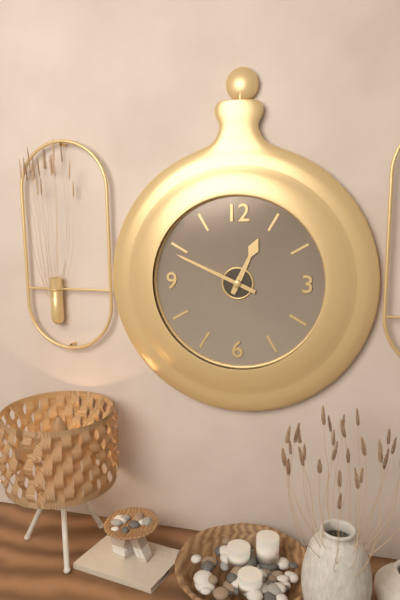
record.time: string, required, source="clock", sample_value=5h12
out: 12h49
